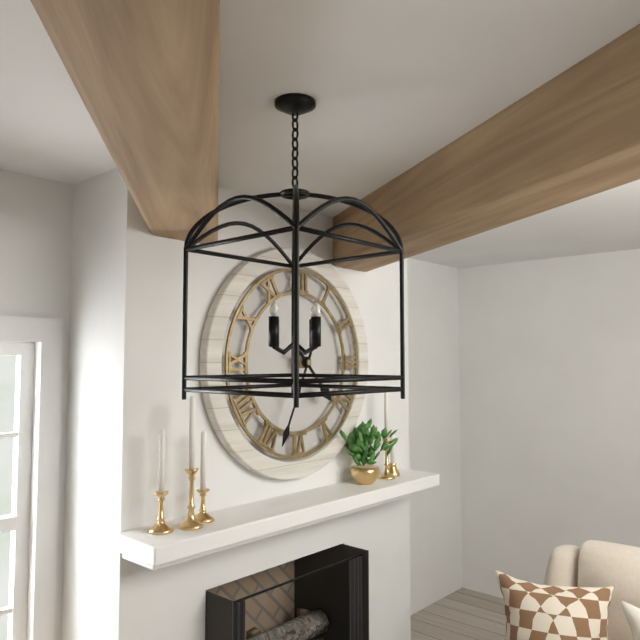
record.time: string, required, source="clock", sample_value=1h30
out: 4h34
